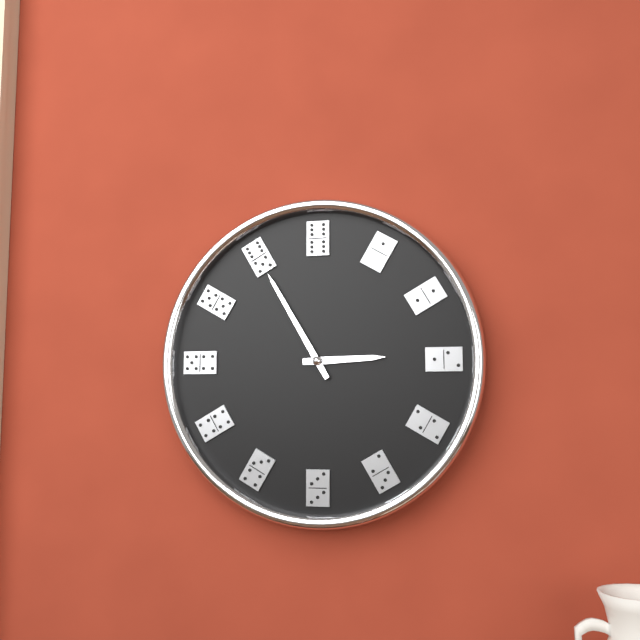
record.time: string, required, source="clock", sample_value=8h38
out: 2h55
